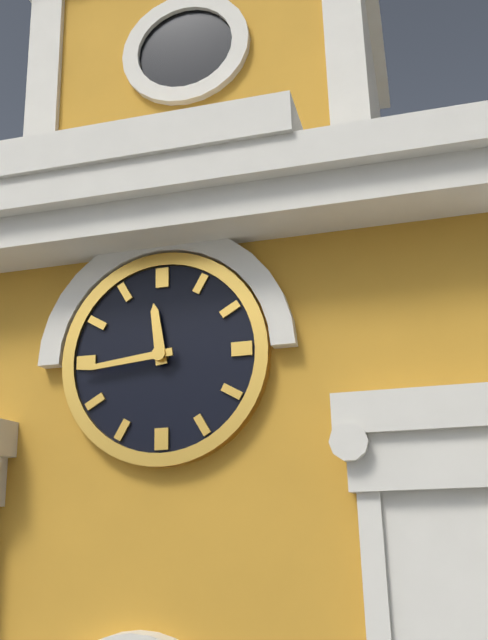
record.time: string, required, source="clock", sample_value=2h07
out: 11h44
